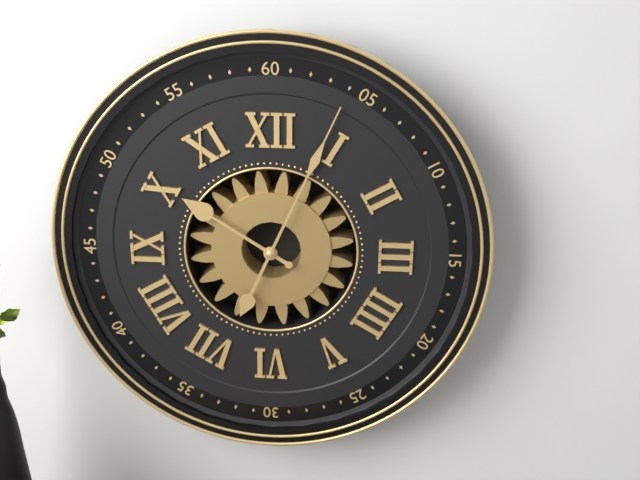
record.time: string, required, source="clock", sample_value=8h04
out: 10h04
